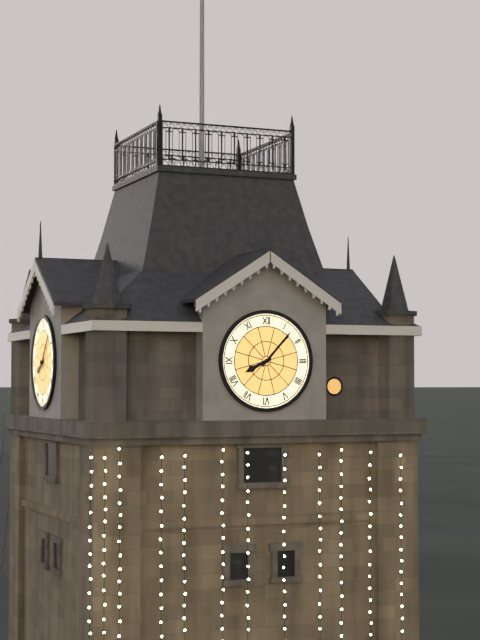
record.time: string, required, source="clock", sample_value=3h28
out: 8h07
